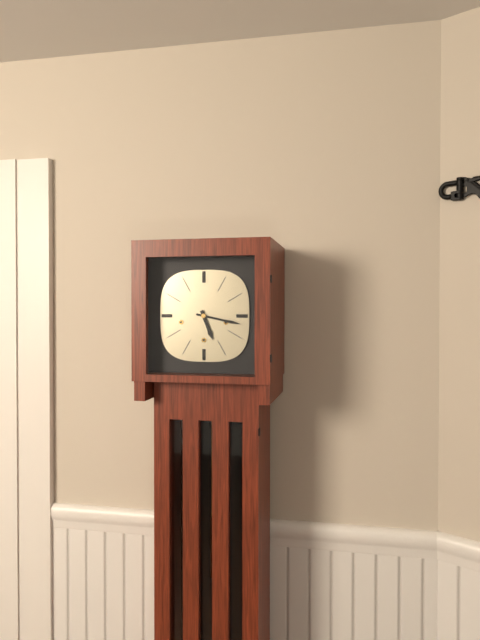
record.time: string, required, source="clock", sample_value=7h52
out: 5h17
